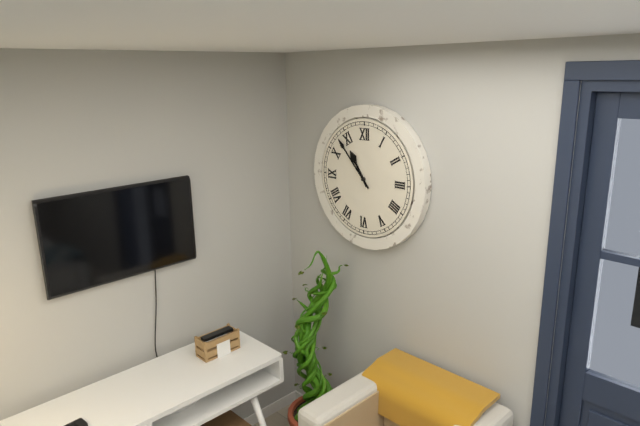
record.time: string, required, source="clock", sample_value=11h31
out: 10h53
